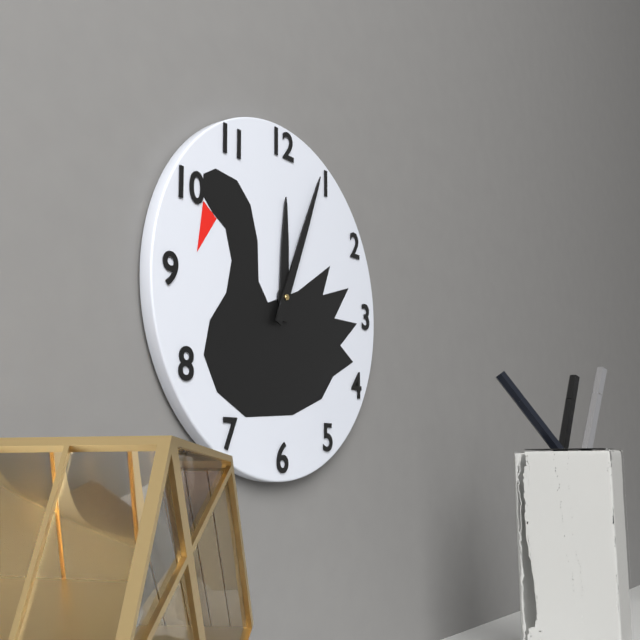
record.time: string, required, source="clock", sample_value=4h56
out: 12h04
